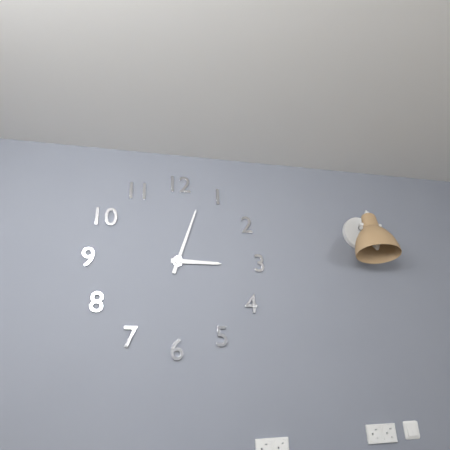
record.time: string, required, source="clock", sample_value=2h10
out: 3h03
